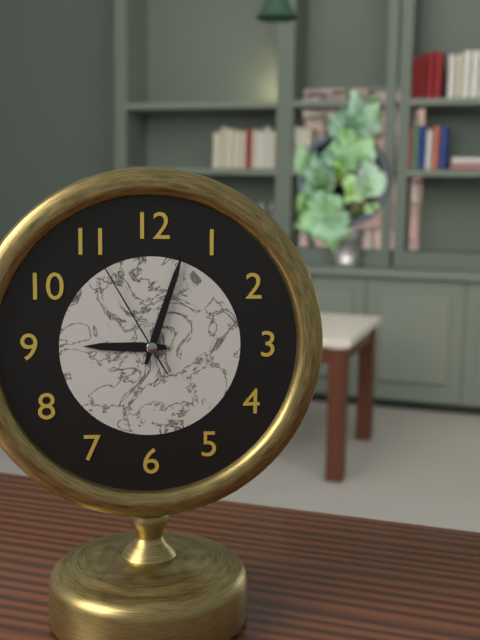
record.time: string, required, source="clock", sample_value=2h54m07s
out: 9h03m55s
